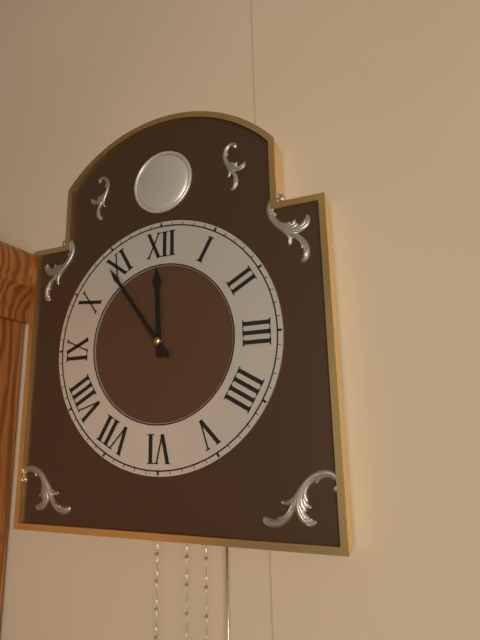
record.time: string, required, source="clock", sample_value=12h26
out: 11h54
